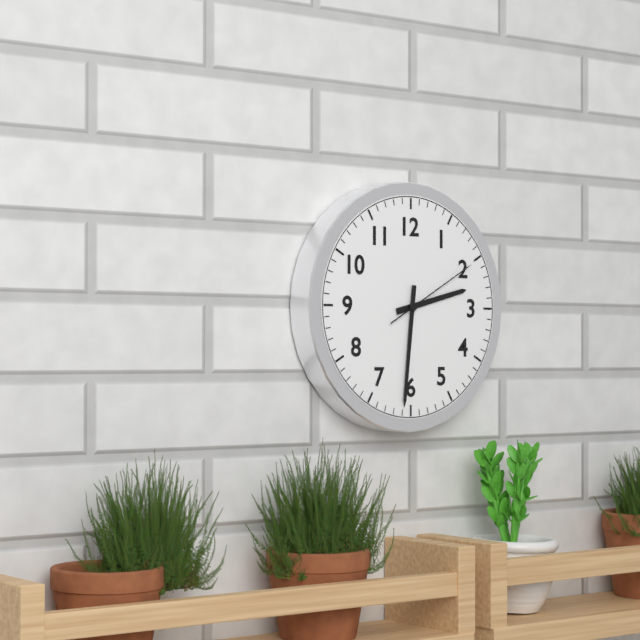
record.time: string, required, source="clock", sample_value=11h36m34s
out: 2h31m10s
